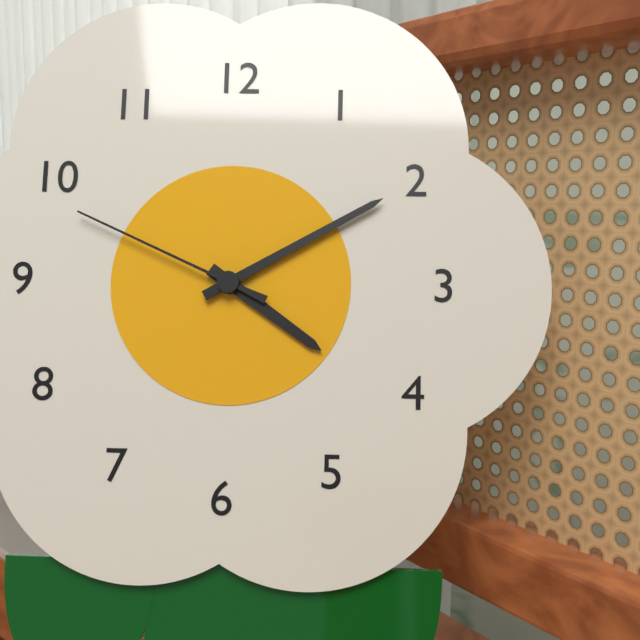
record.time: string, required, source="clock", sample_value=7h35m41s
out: 4h10m49s
